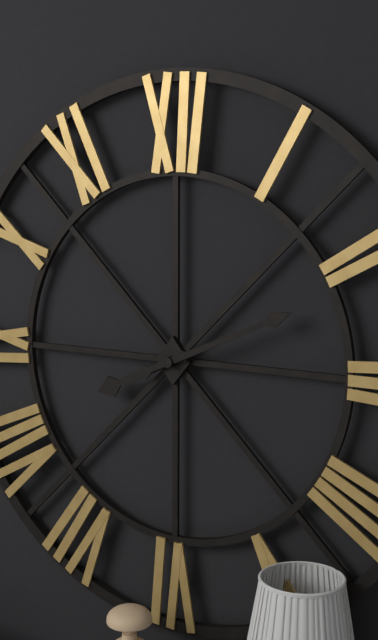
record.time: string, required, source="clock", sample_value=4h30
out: 8h11
